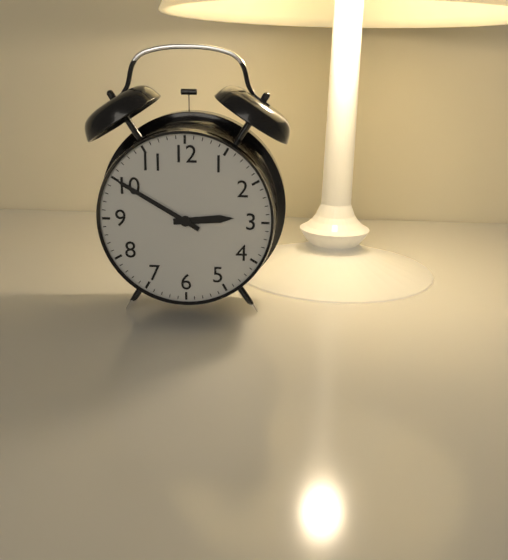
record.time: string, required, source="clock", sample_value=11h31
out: 2h50
